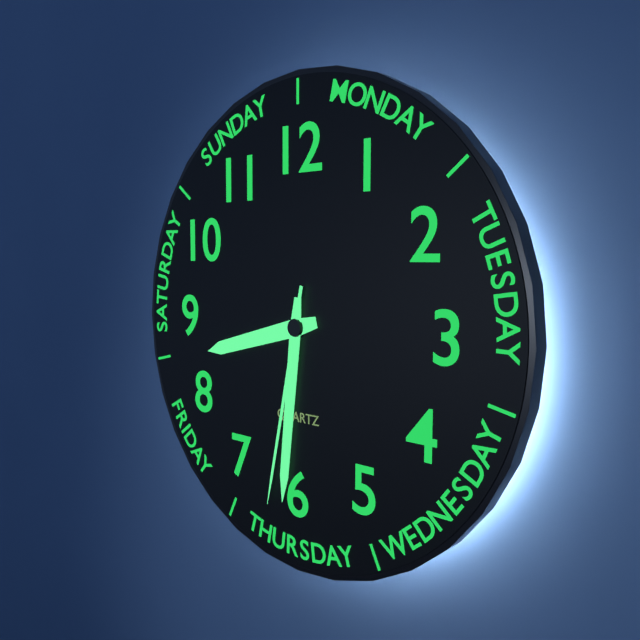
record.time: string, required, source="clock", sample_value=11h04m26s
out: 8h31m32s
